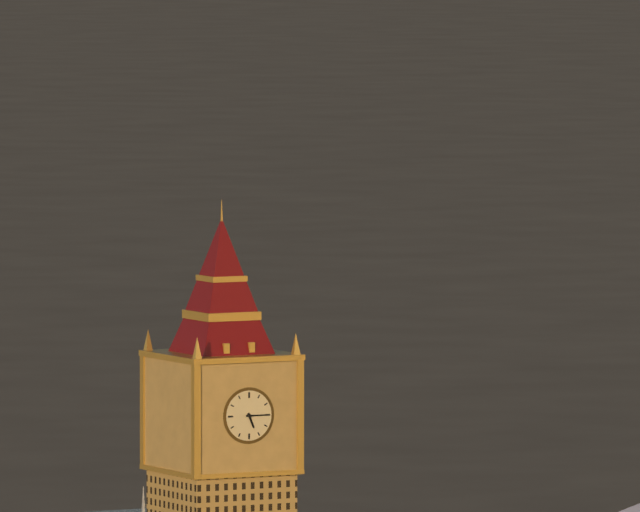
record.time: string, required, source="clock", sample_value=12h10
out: 5h15
